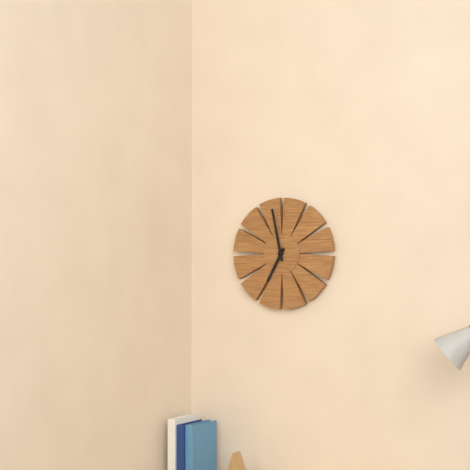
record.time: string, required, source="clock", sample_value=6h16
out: 6h58
